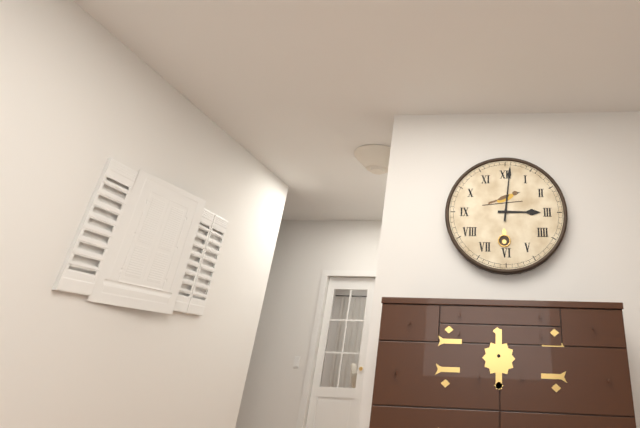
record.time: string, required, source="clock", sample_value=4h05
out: 3h01
